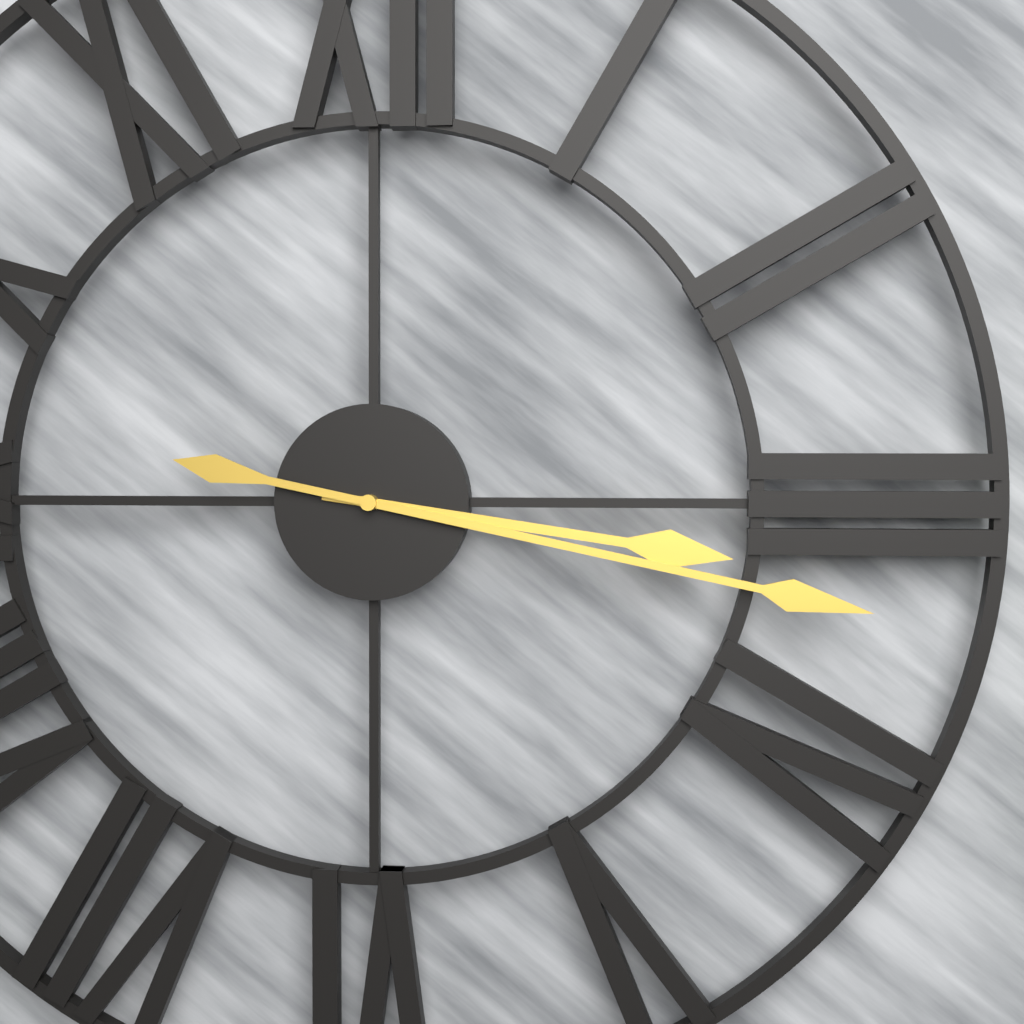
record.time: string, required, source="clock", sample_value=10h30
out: 3h17
